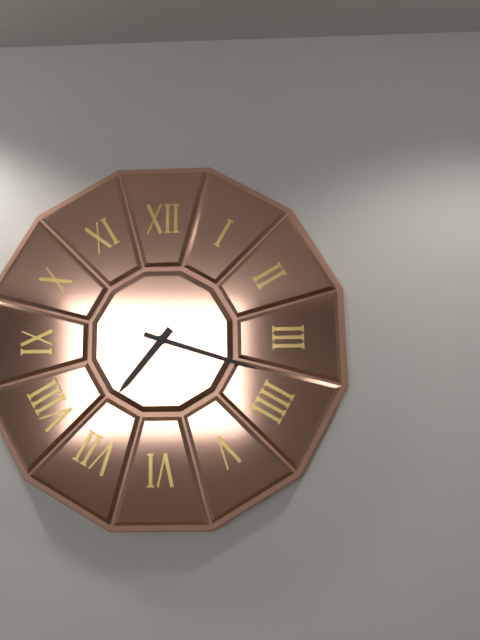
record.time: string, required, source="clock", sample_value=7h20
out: 7h18
